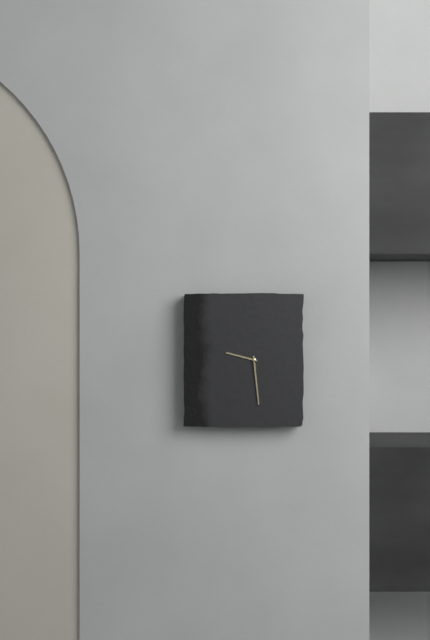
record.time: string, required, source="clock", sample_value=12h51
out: 9h29
